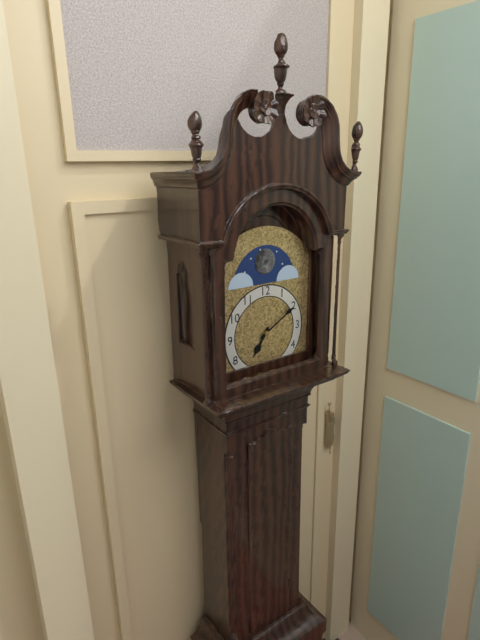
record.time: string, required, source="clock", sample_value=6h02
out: 7h10
